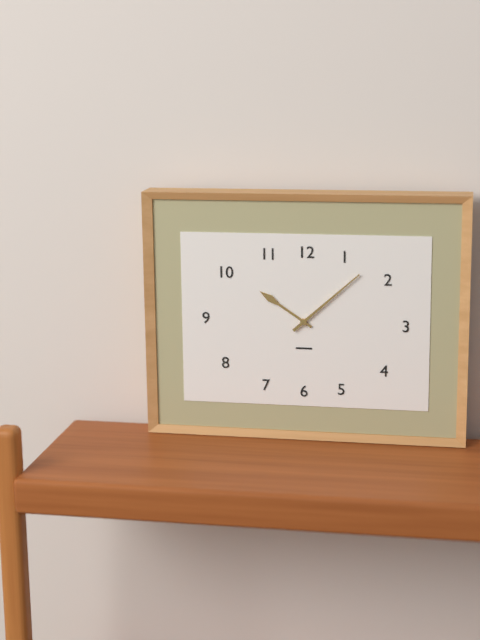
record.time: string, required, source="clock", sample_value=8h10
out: 10h08
